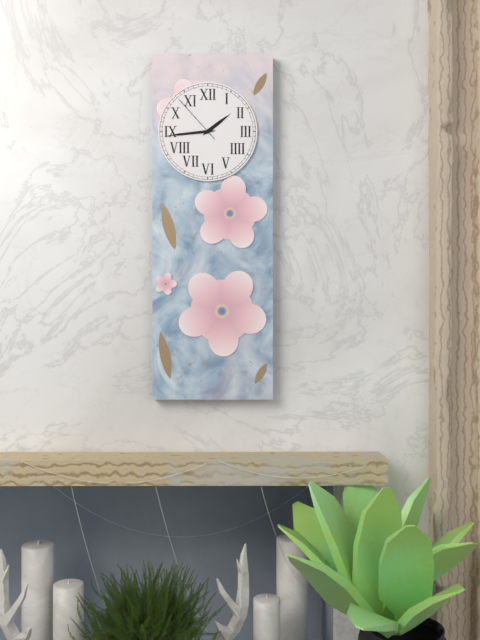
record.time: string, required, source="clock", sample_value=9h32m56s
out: 1h44m53s
